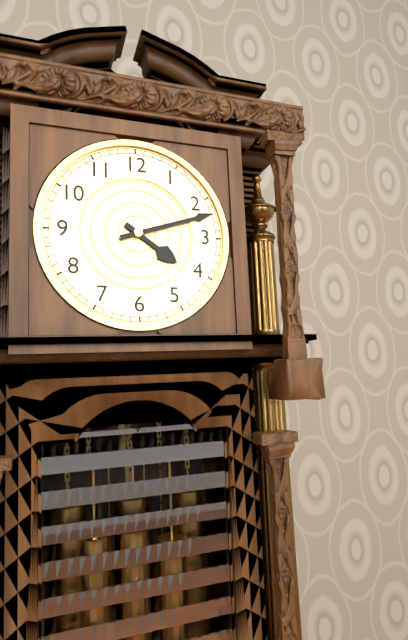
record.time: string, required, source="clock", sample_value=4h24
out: 4h12
